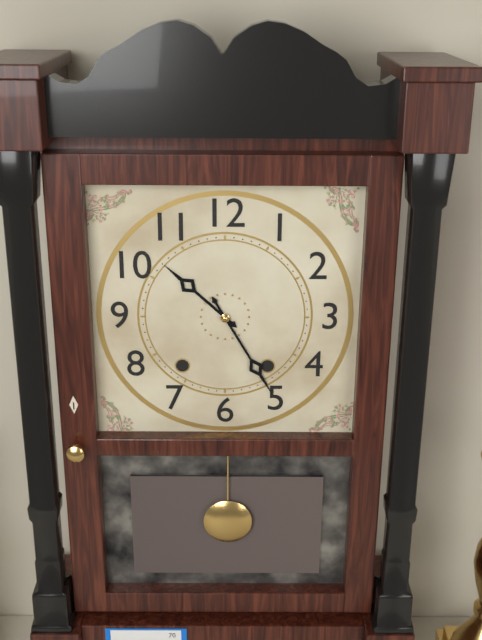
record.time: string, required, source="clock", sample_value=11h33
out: 10h25
